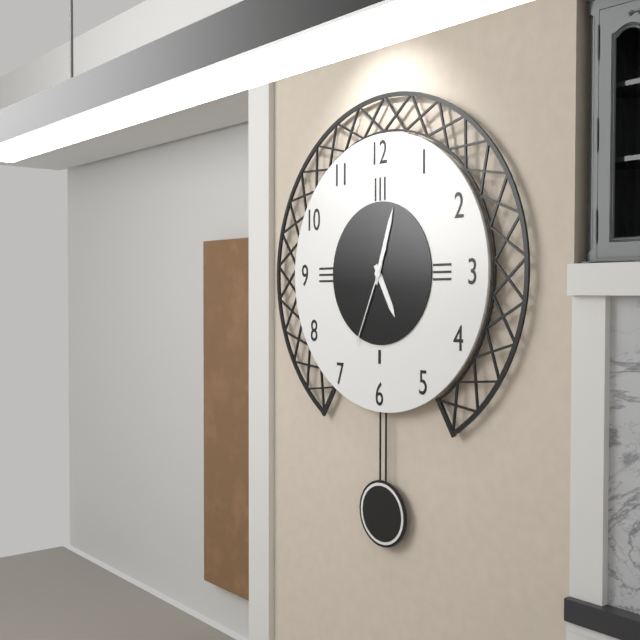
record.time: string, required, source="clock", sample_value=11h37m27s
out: 5h03m34s
